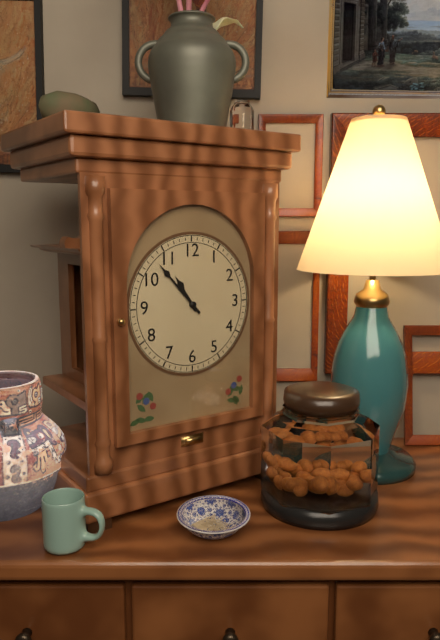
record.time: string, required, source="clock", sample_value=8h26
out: 10h53
